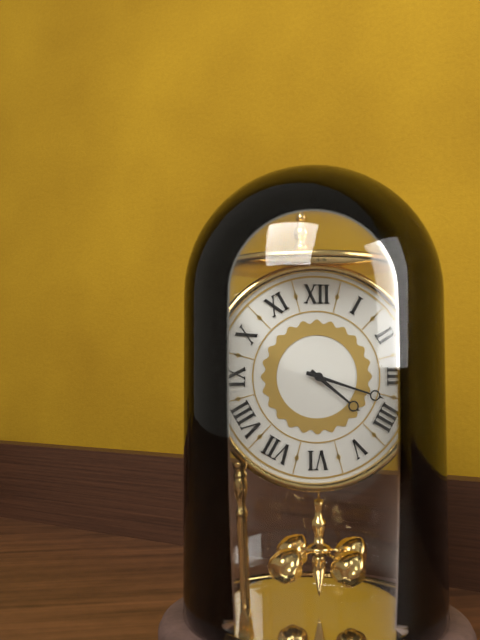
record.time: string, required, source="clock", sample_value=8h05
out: 4h18
